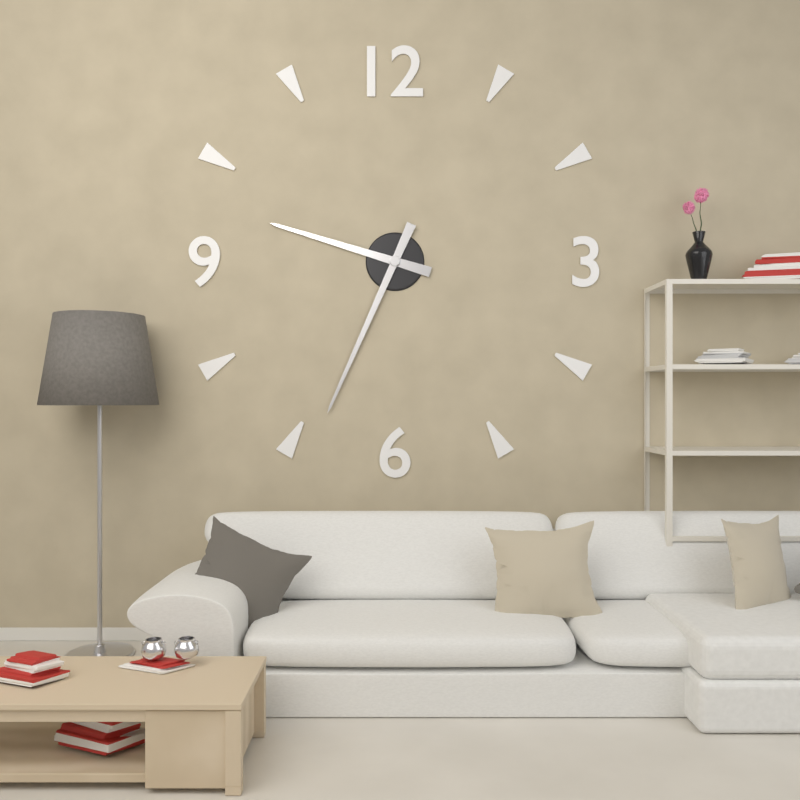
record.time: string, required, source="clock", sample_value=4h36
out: 9h34
